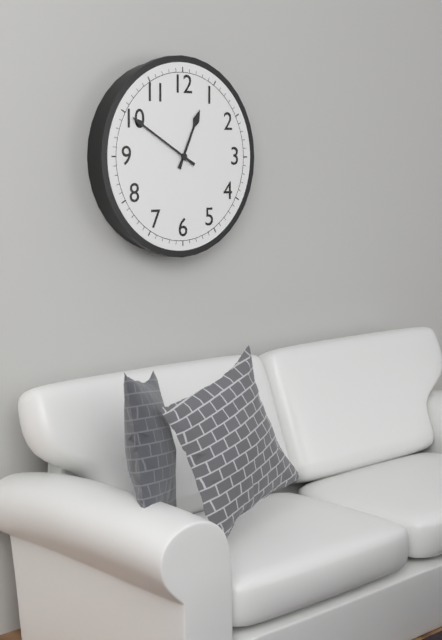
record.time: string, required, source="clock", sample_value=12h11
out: 12h50
